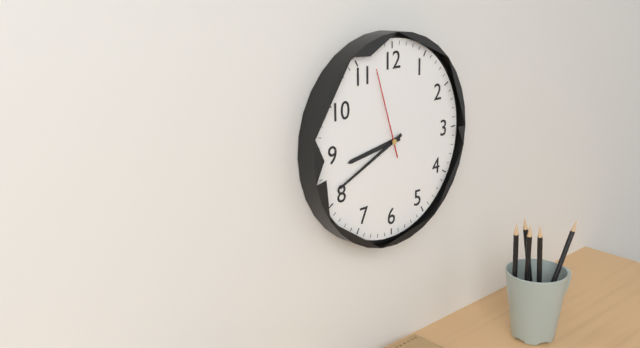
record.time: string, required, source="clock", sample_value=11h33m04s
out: 8h41m57s
